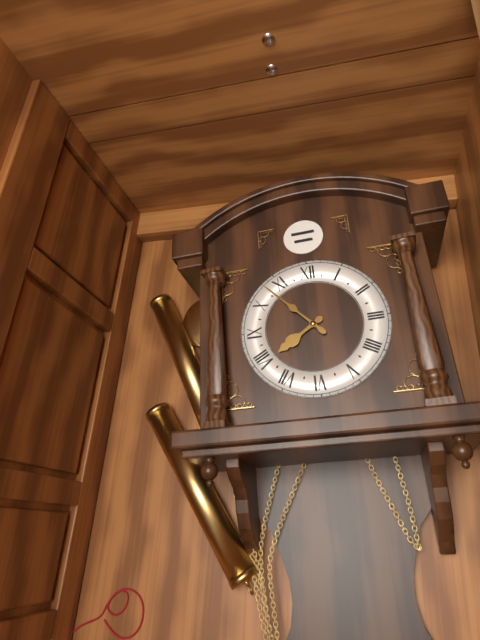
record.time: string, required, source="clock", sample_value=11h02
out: 7h53
